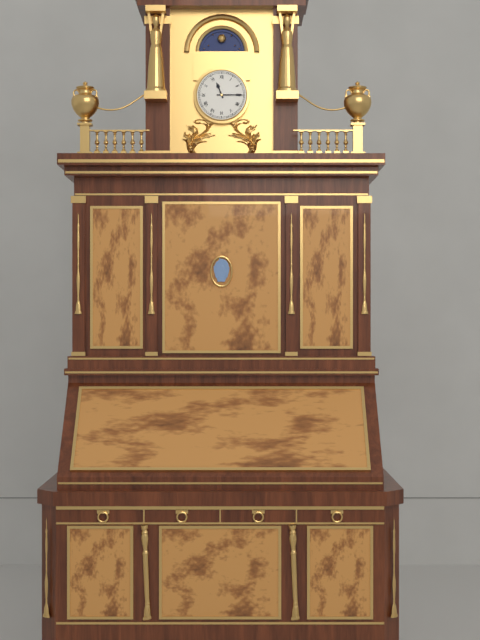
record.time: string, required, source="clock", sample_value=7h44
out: 11h15
